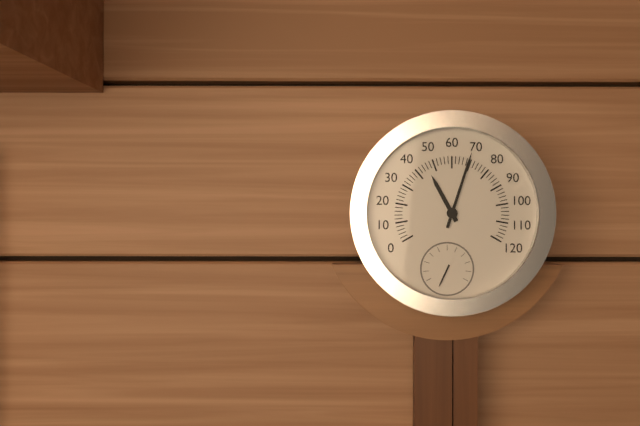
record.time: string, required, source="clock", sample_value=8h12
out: 11h03
